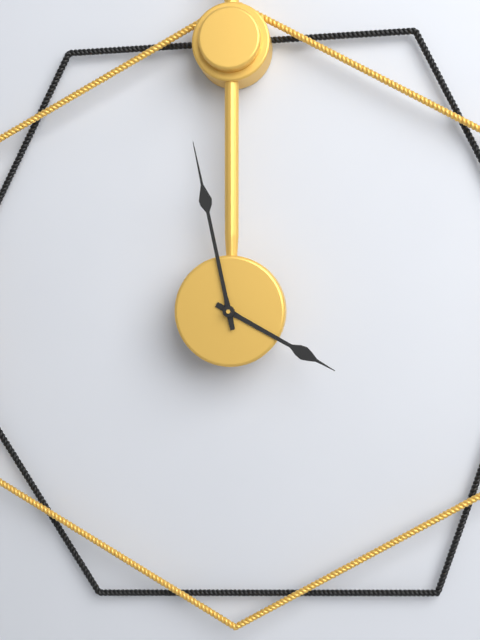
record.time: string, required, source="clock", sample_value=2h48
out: 3h58
